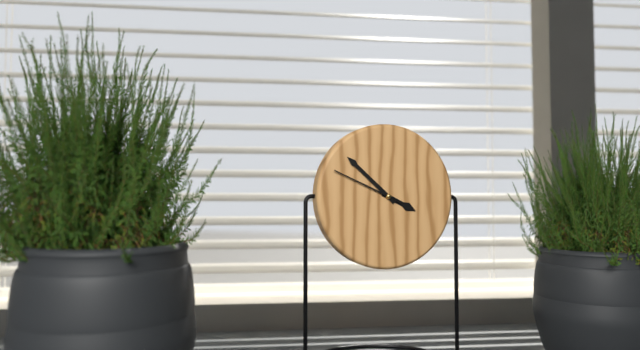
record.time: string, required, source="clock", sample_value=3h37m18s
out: 3h52m49s
